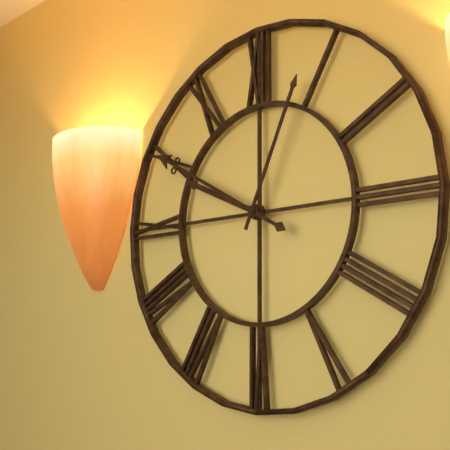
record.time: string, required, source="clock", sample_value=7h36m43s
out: 9h50m04s
